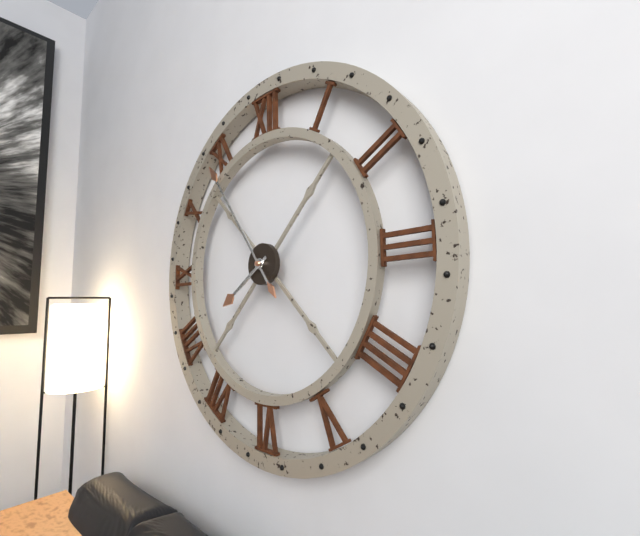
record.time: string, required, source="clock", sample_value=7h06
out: 7h54
